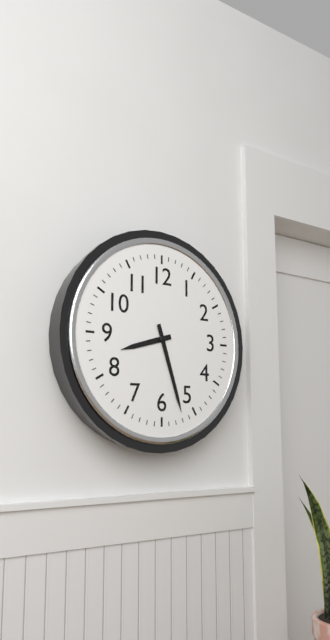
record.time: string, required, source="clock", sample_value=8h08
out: 8h27
